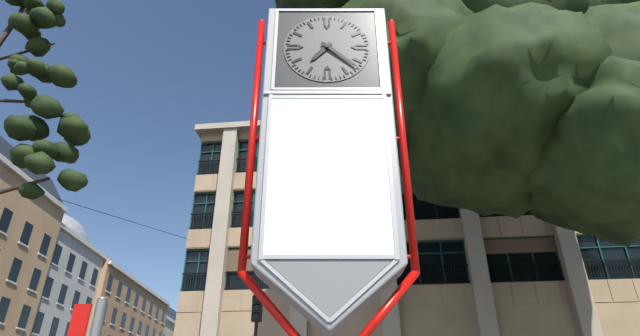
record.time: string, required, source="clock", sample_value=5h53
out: 7h22
